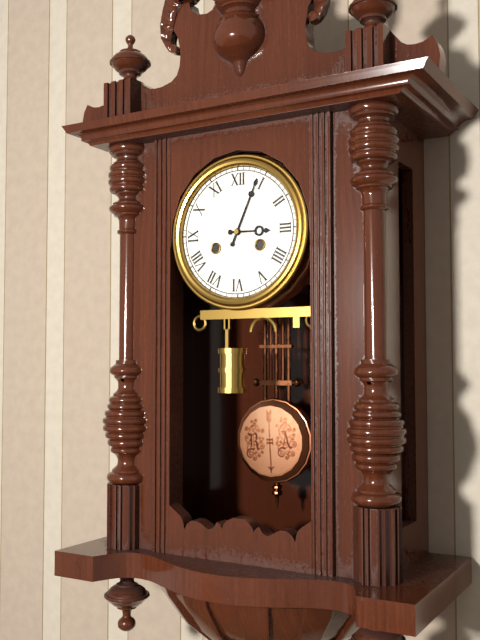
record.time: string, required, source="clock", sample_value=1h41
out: 3h04
